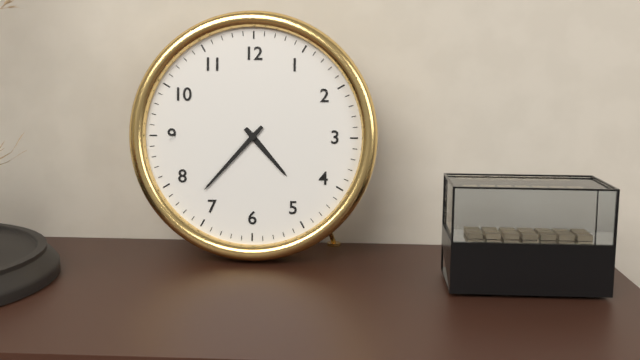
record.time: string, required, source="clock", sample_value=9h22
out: 4h37
